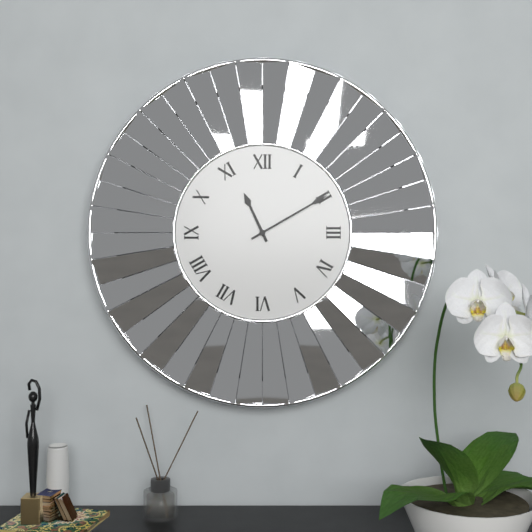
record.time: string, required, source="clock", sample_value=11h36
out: 11h10
